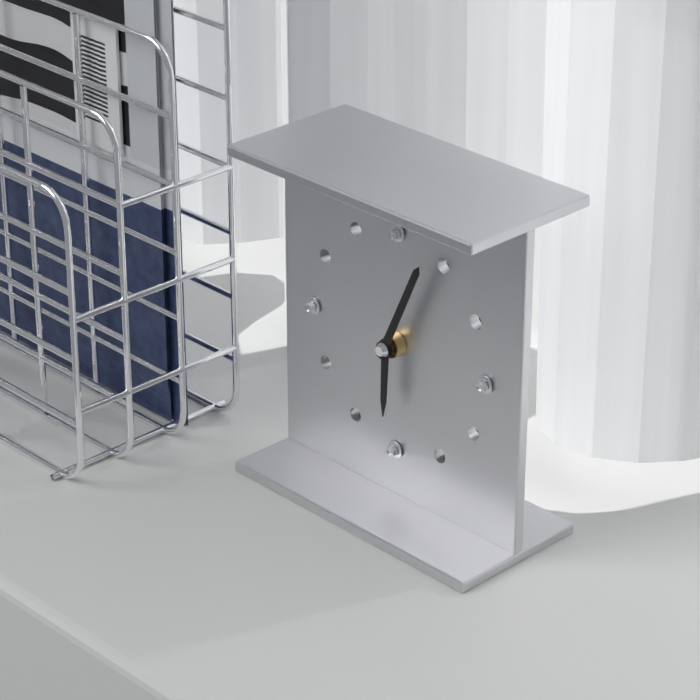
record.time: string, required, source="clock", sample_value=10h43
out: 6h04
